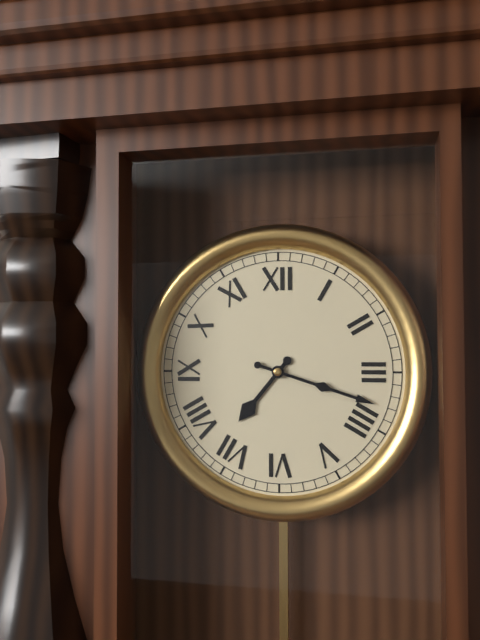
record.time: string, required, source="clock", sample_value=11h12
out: 7h18
